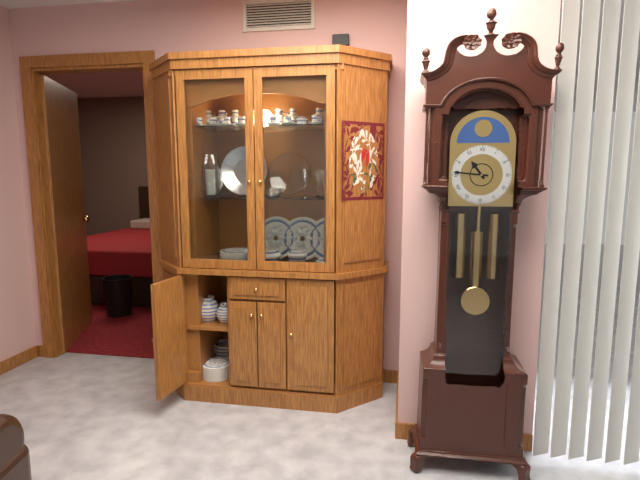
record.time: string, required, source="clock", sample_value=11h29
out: 10h46
